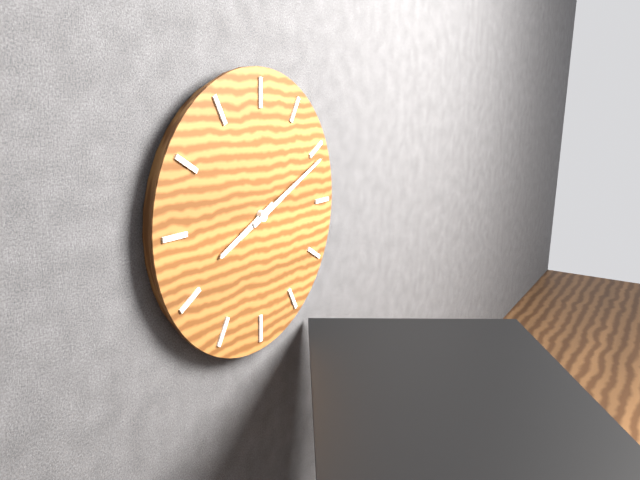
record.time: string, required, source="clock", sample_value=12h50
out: 8h11
